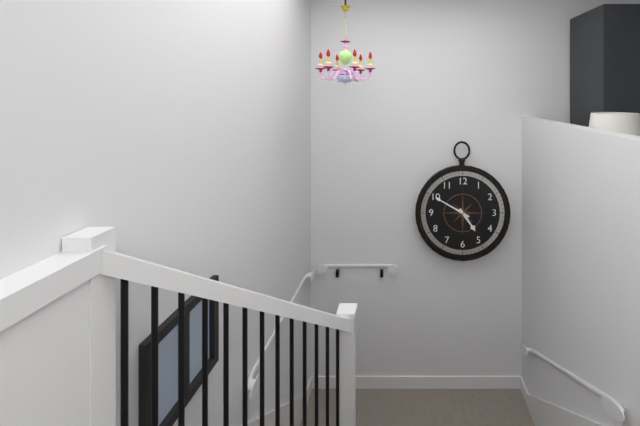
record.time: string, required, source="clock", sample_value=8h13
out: 4h50
